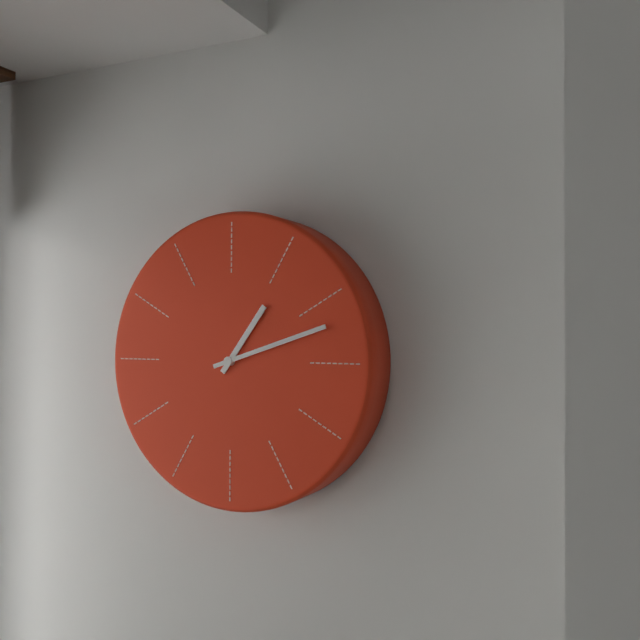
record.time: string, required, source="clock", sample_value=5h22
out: 1h12
